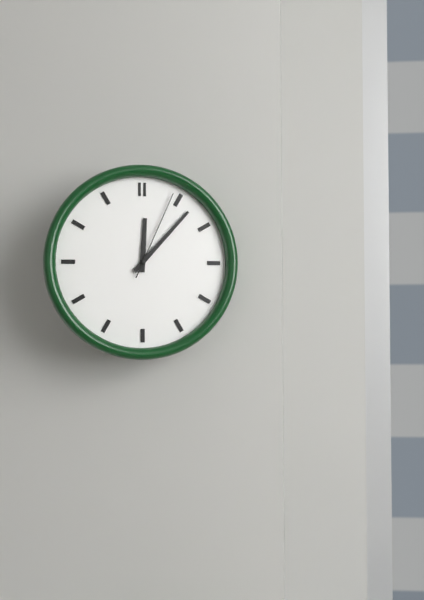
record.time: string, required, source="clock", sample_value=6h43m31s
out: 12h07m04s
